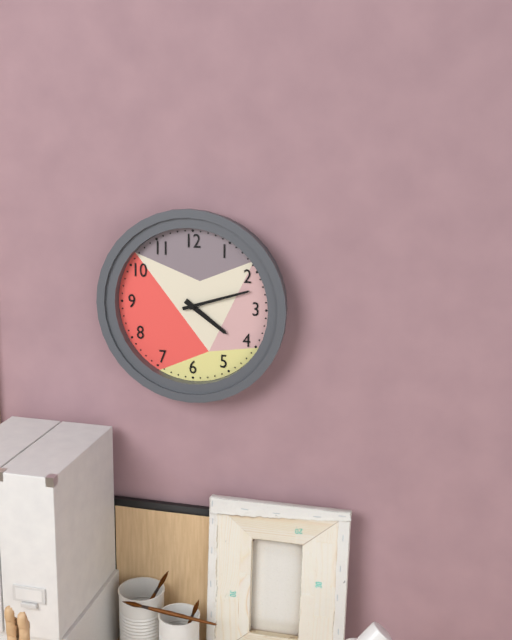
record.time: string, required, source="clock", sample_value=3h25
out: 4h12
